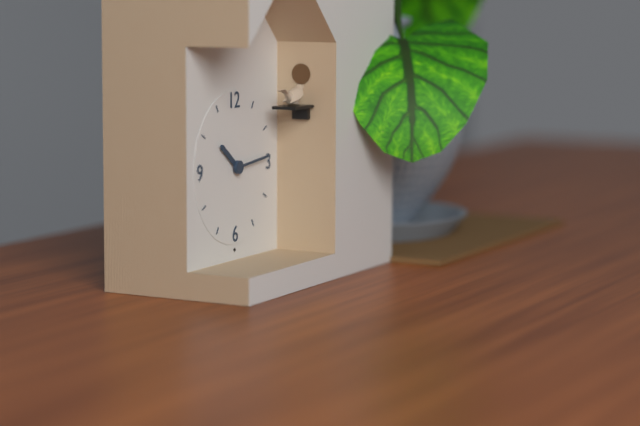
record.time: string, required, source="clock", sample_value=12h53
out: 10h14
